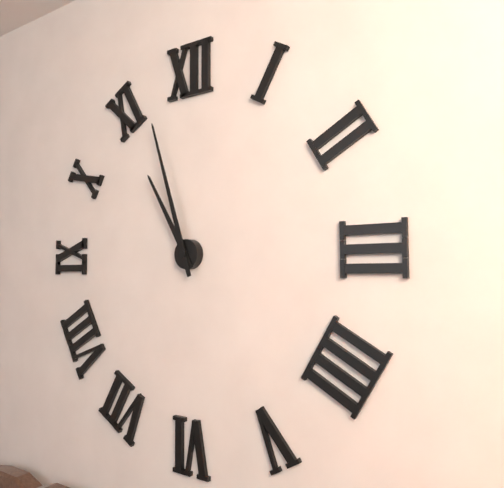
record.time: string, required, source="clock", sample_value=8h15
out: 10h57
